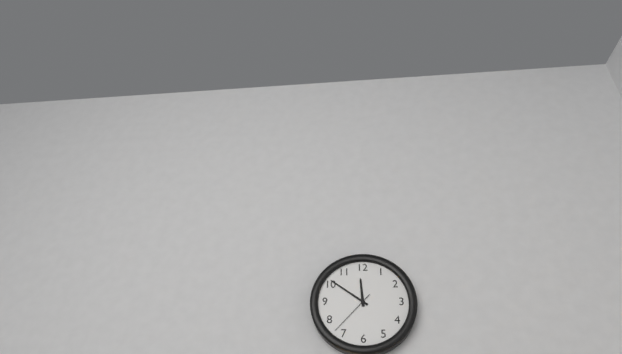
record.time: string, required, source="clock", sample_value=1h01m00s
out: 11h51m37s
